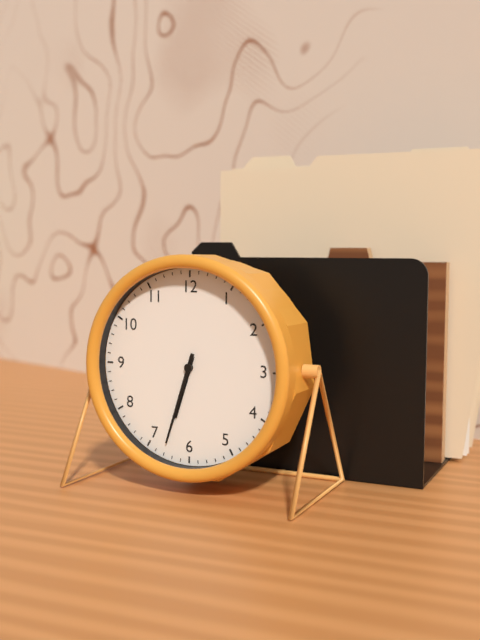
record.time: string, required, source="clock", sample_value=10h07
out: 6h33
